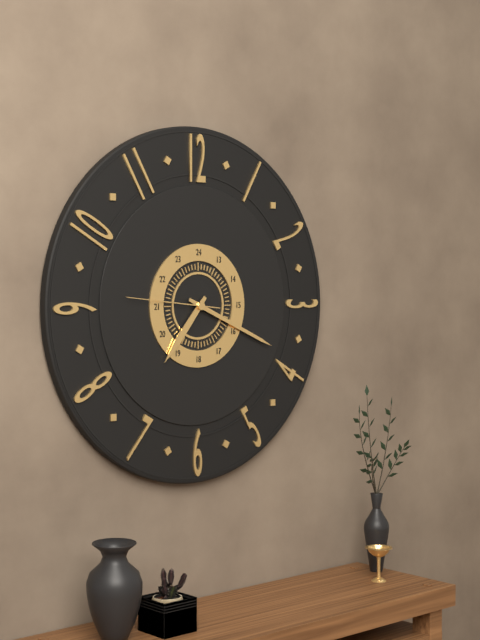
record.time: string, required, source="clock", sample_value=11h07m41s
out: 7h19m46s
